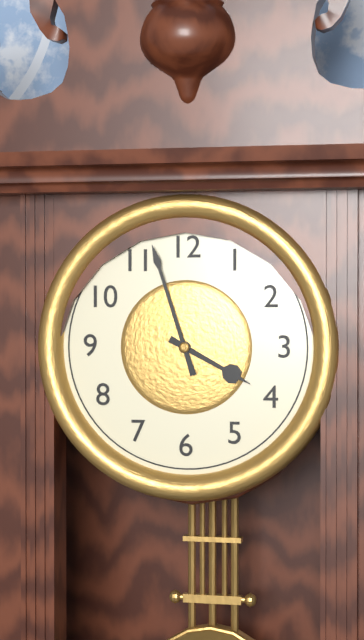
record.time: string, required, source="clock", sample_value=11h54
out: 3h57
